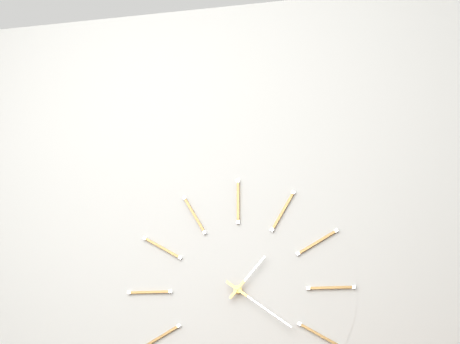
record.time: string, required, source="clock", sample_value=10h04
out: 1h21
